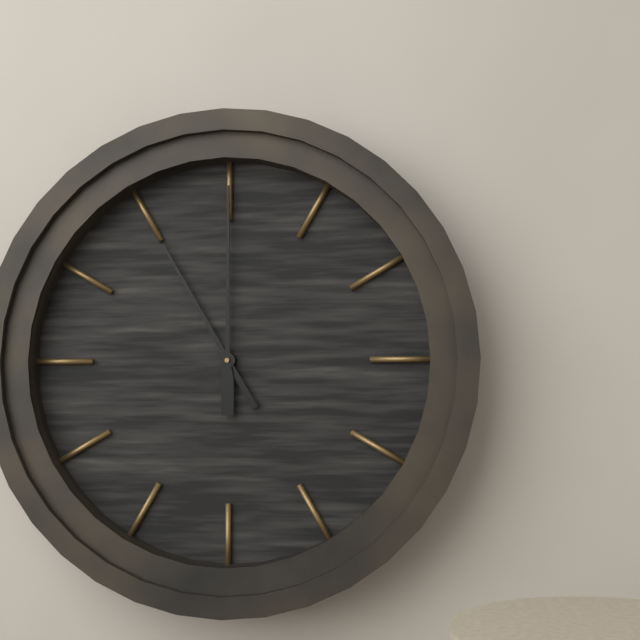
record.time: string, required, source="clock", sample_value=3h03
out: 11h00
